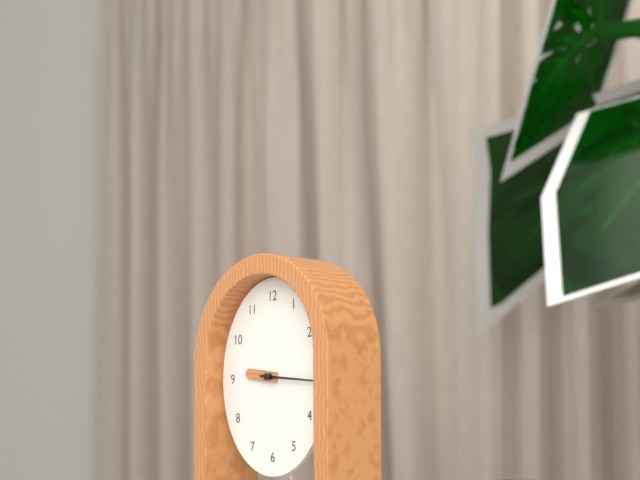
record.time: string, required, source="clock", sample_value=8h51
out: 9h16
